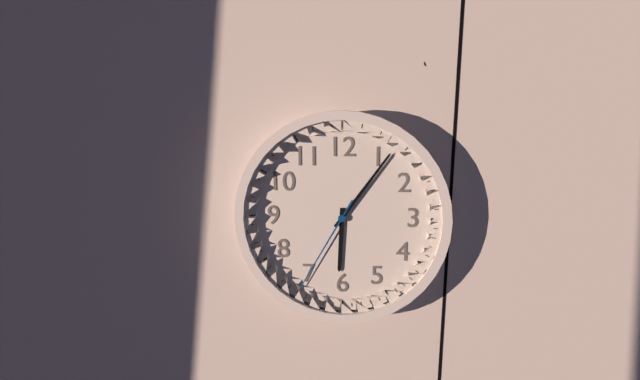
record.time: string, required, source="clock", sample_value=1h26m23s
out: 6h06m35s
